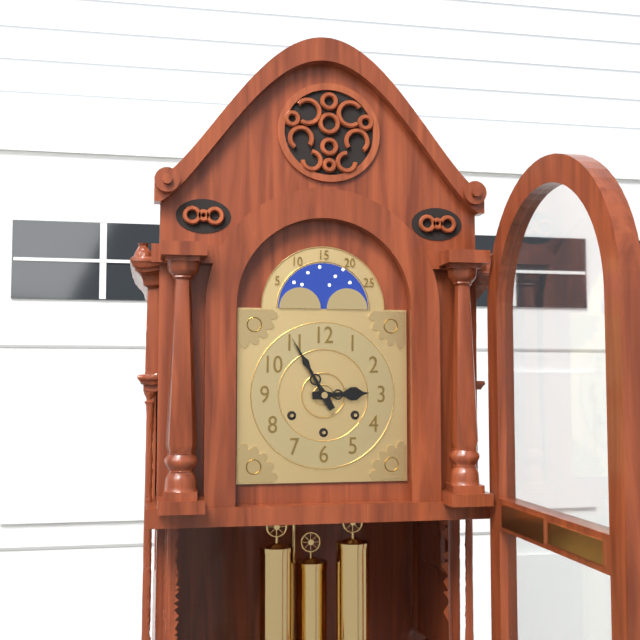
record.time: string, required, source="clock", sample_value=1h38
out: 2h55
